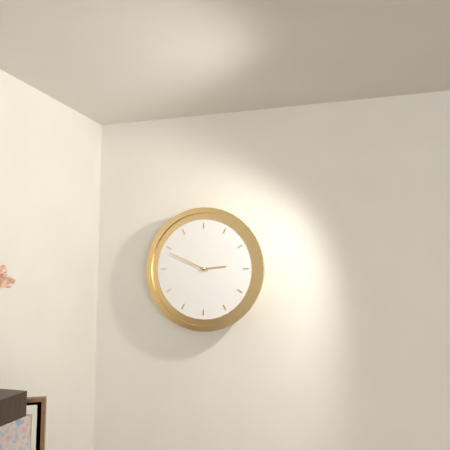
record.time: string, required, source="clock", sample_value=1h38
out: 2h49
